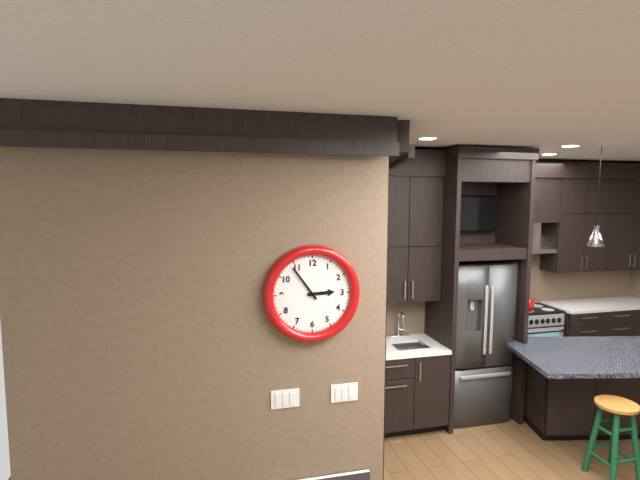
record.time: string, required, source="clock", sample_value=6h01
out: 2h54
